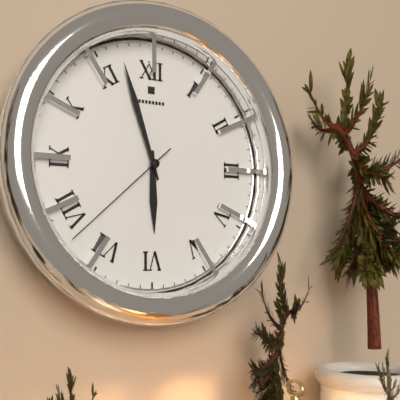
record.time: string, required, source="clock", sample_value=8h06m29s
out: 5h57m38s
